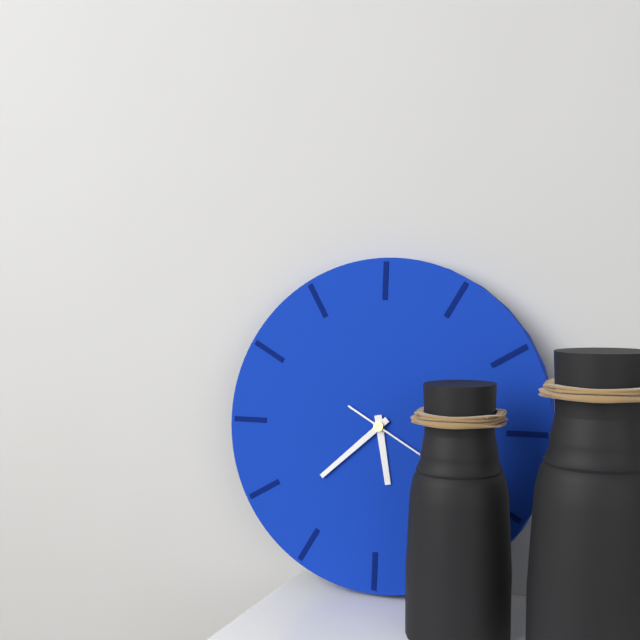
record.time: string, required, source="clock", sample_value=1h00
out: 5h38
